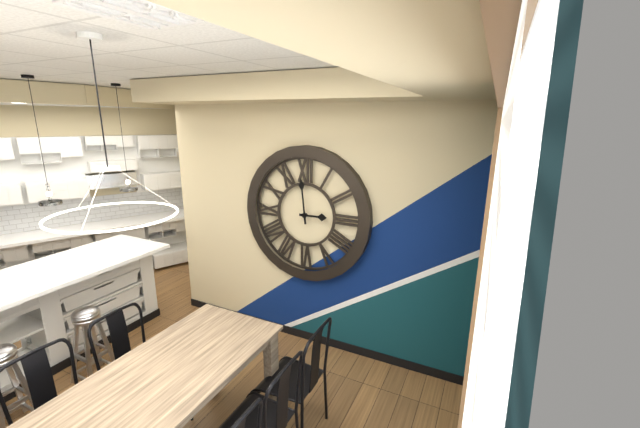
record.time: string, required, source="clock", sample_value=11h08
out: 2h59
